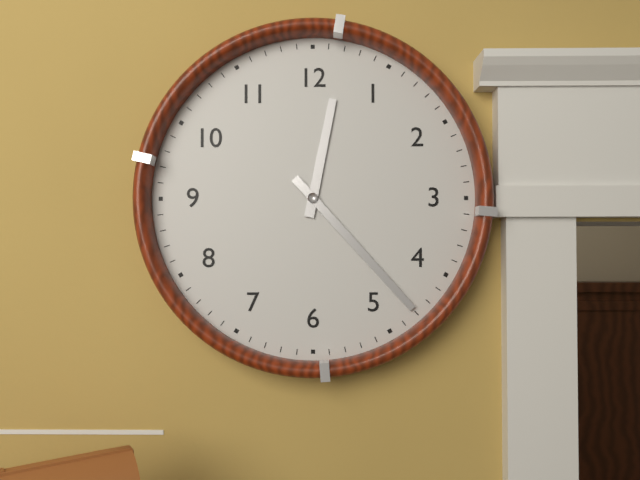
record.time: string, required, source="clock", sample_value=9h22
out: 12h23
